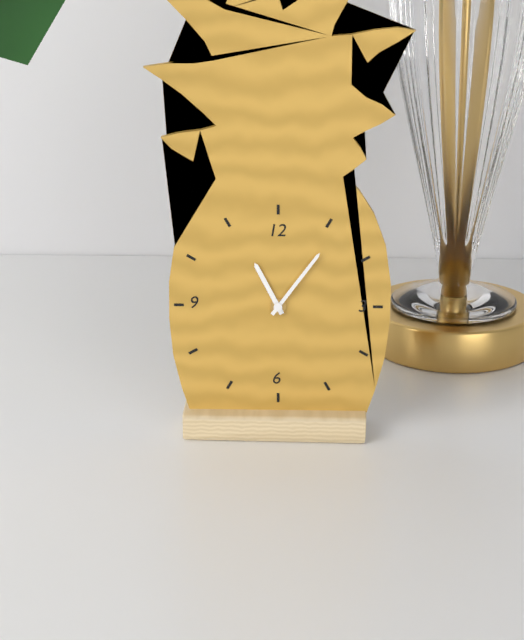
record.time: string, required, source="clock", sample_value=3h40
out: 11h06
